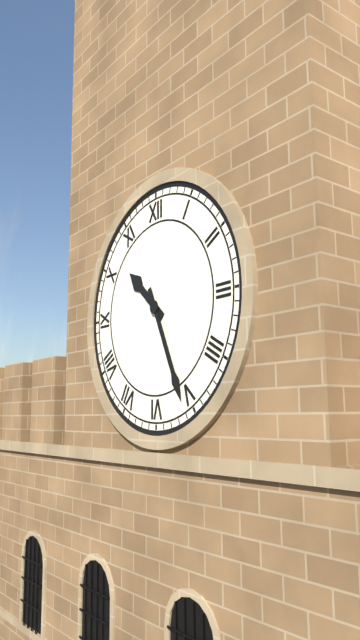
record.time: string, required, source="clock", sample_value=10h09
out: 10h26
